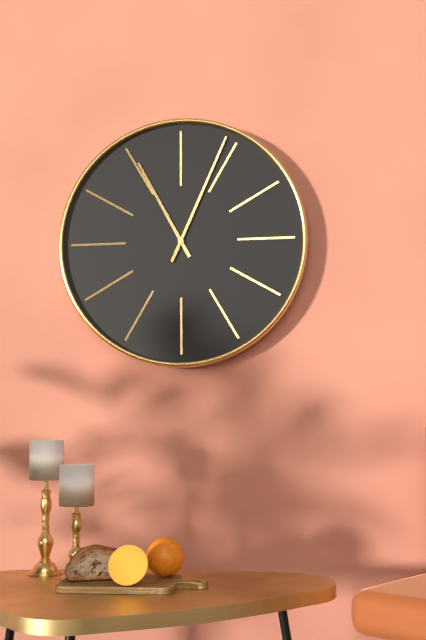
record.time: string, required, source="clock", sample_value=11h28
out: 11h04
